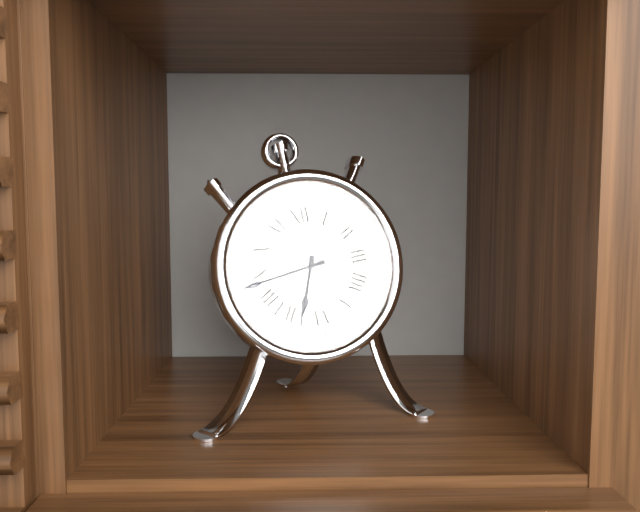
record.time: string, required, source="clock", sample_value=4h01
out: 6h44
